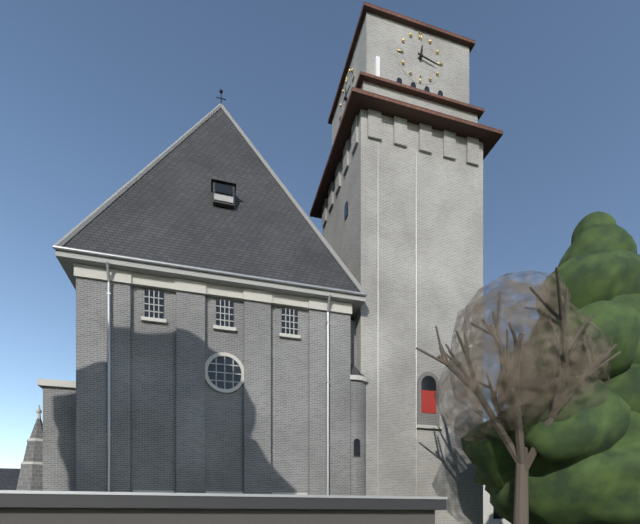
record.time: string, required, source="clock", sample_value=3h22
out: 12h17
